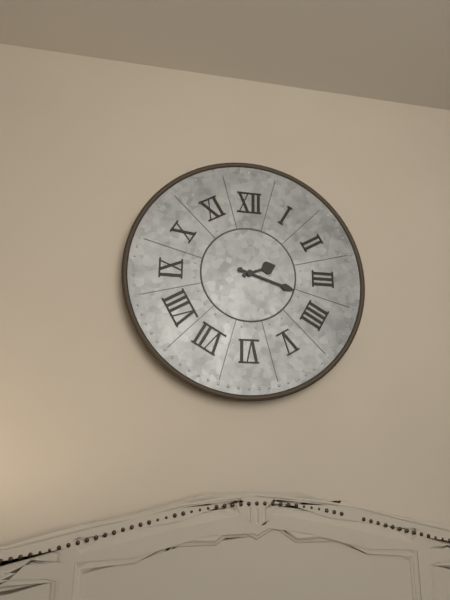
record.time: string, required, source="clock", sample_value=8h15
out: 2h18
